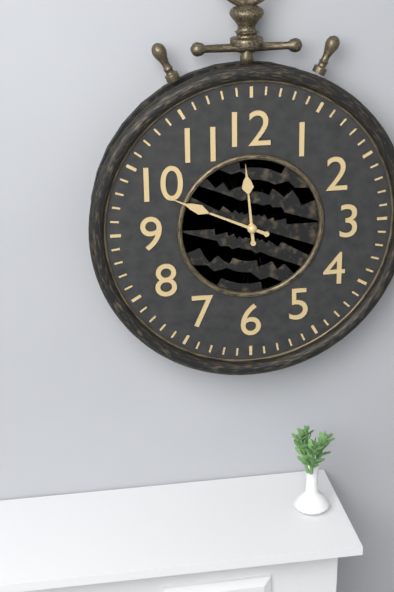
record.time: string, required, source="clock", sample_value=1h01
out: 11h49
